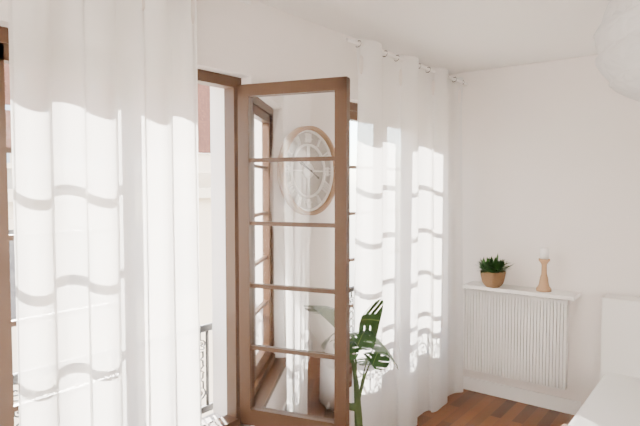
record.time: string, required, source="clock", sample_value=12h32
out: 9h50
